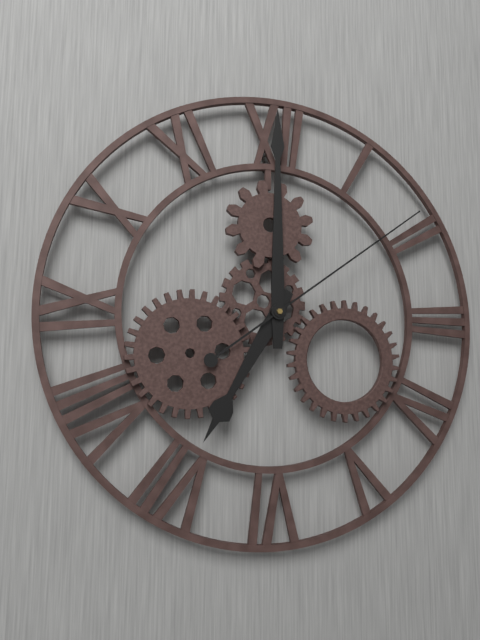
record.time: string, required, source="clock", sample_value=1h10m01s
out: 7h00m09s
